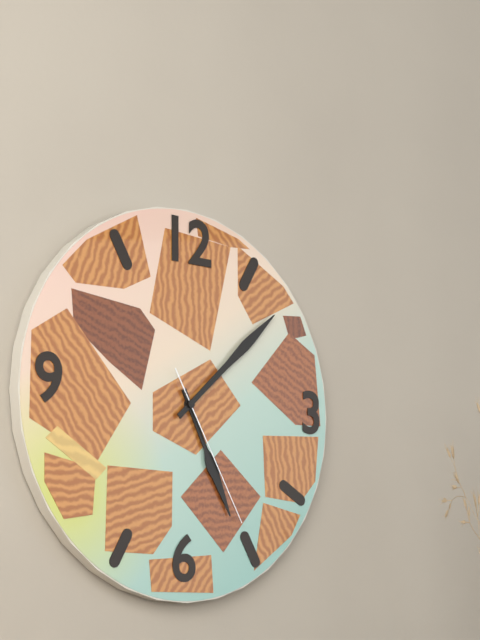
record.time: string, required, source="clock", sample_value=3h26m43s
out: 5h08m25s
